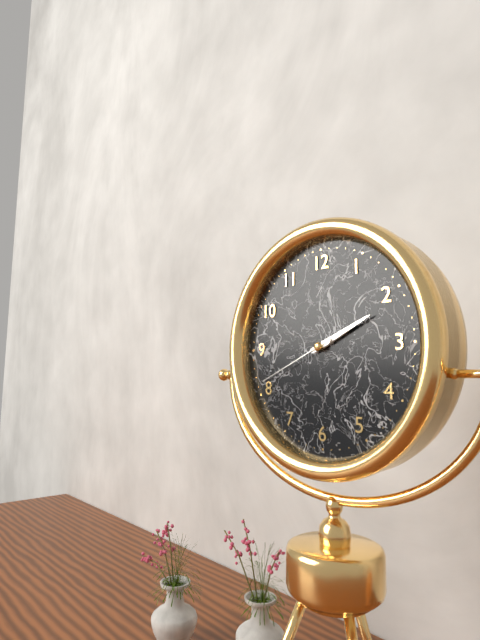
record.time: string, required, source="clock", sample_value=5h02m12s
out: 2h11m41s
